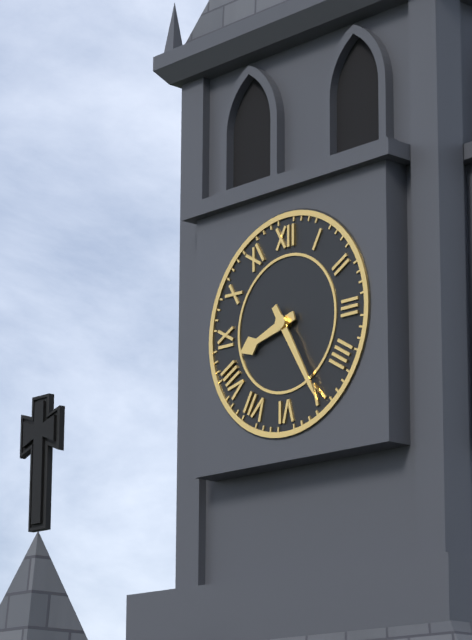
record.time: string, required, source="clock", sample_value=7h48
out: 8h25
